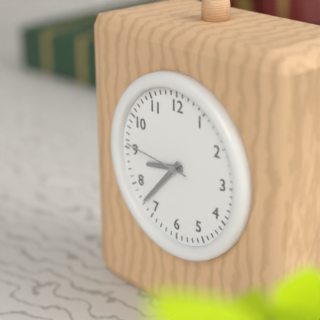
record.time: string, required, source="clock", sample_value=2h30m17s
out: 8h37m46s
